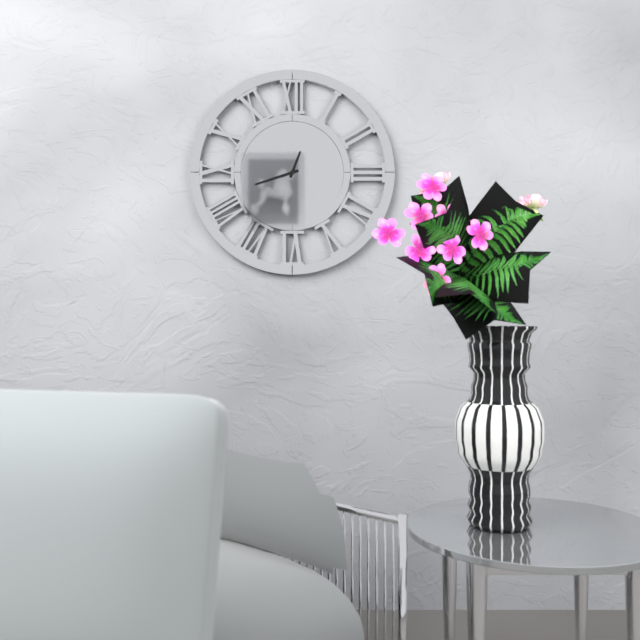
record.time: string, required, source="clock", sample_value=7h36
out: 12h42
